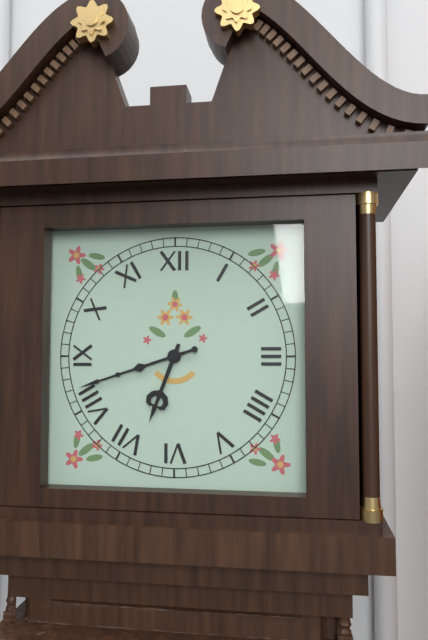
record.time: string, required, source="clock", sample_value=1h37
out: 6h42
